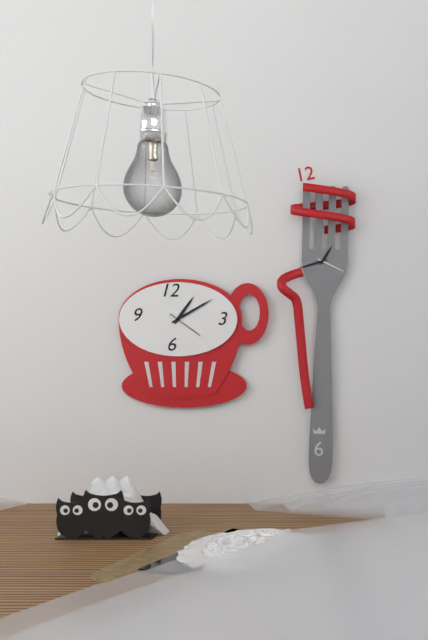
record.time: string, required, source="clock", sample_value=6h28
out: 1h10
